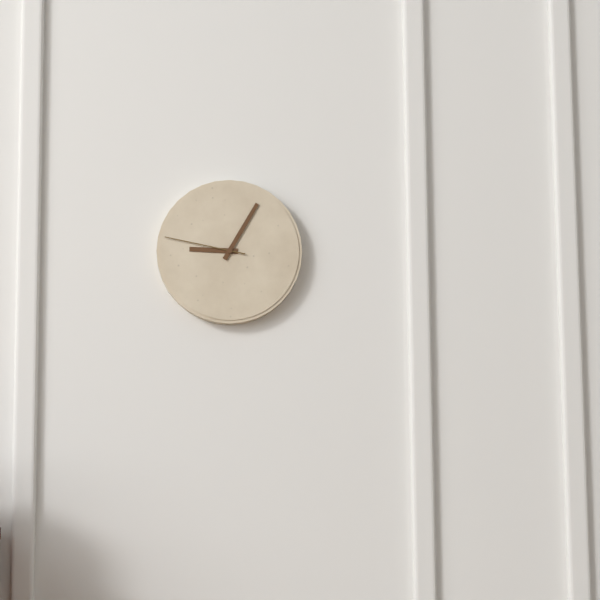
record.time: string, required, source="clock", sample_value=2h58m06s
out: 9h05m47s
